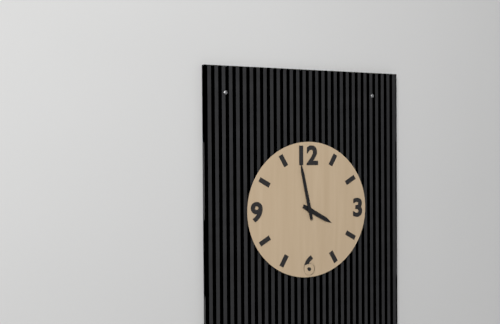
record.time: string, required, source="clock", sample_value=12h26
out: 3h58
